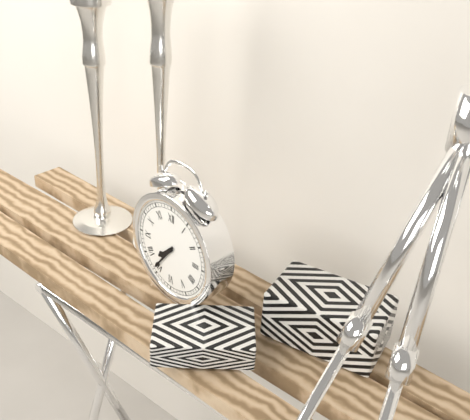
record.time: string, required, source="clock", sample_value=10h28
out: 7h36
